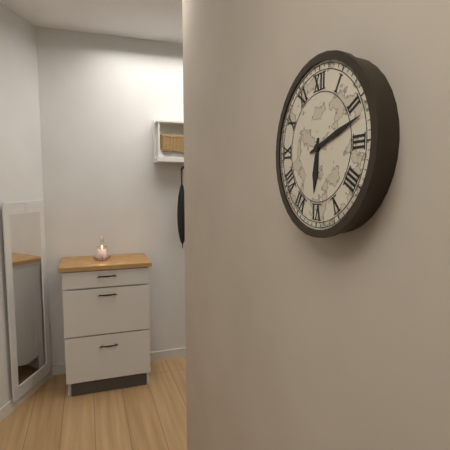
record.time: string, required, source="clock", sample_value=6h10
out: 6h12
